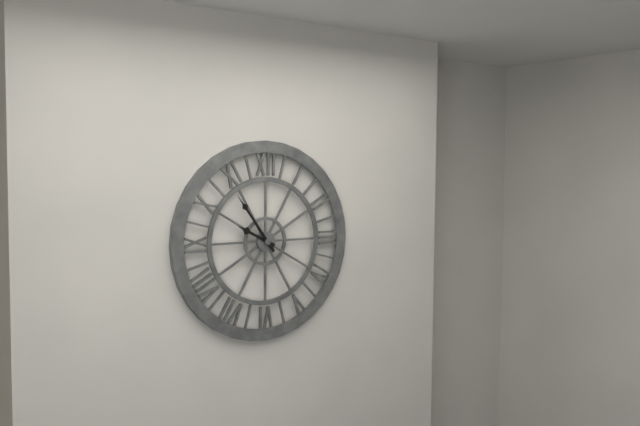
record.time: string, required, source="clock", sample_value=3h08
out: 9h54
